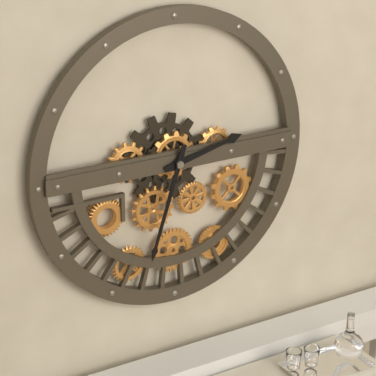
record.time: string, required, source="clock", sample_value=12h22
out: 2h33
